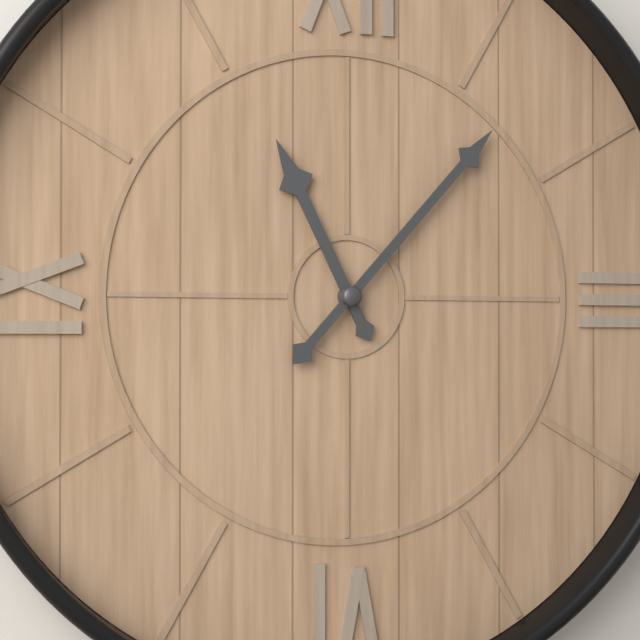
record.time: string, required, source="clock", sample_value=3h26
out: 11h07
